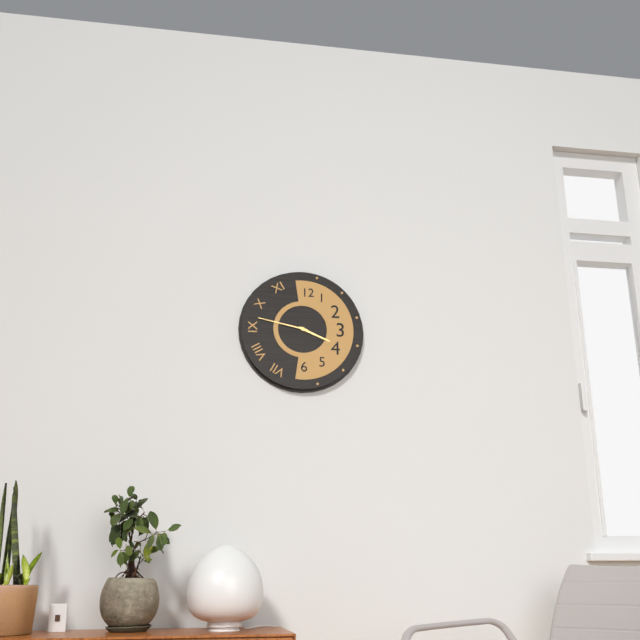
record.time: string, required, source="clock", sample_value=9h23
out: 3h47
